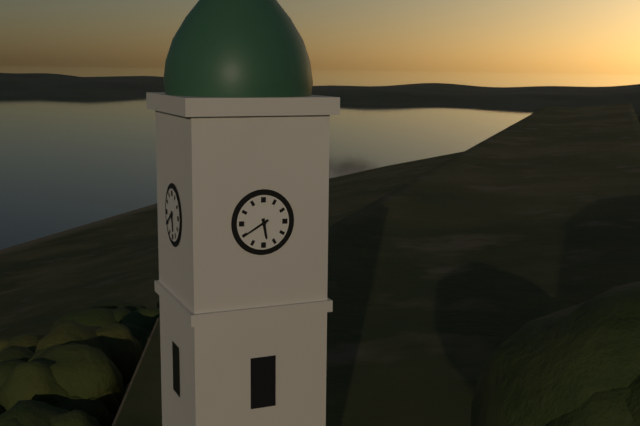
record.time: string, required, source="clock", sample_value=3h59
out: 5h40
